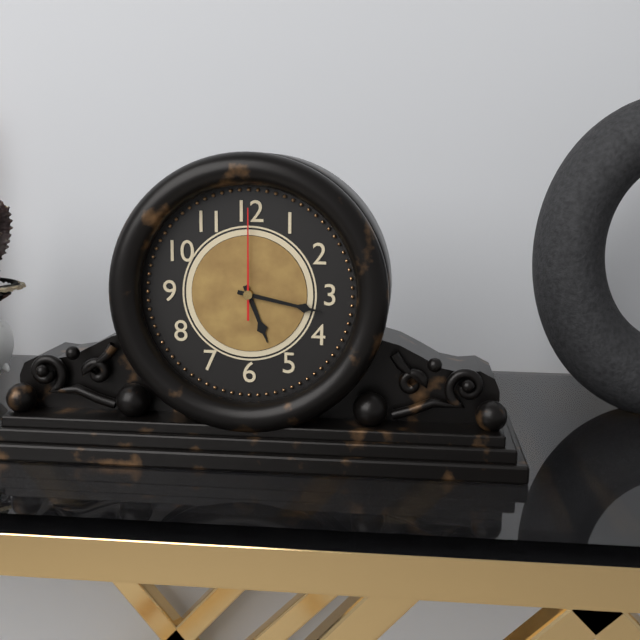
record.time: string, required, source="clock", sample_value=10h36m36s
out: 5h17m00s
